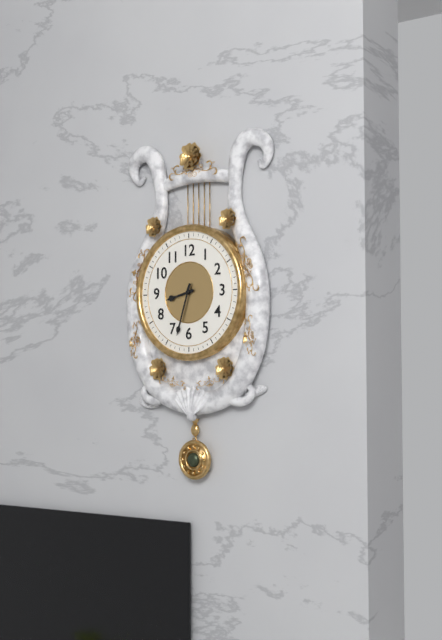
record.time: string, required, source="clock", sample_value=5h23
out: 8h33
